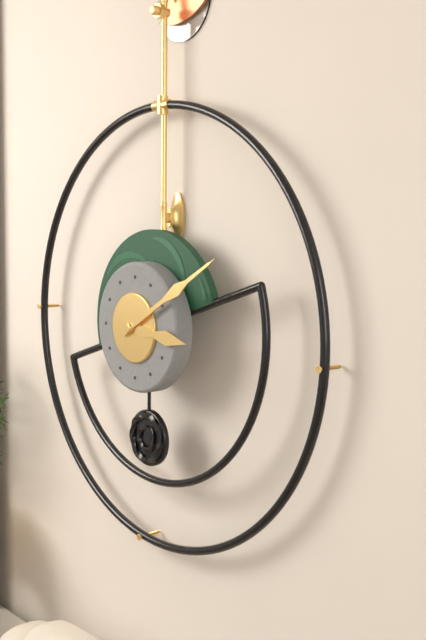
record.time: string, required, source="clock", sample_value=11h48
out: 3h10
